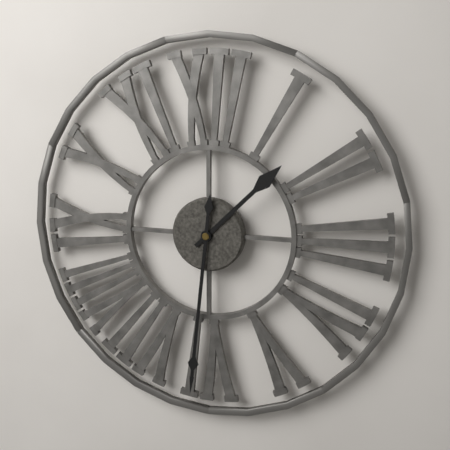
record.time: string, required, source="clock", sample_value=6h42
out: 1h31
